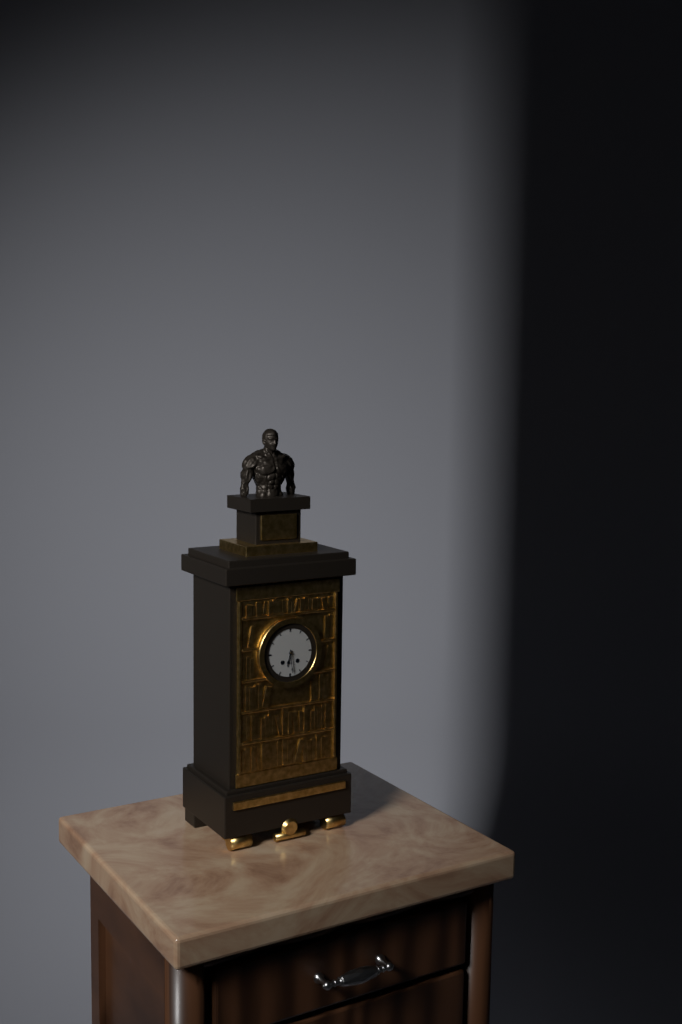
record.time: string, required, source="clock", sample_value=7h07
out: 6h29
